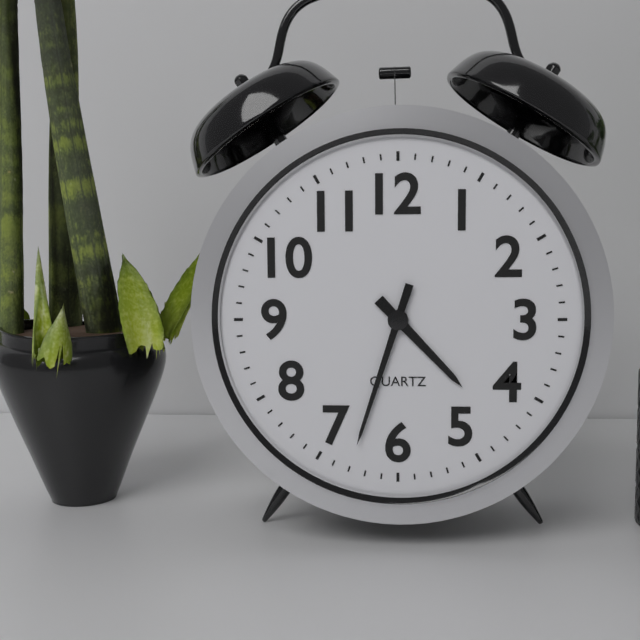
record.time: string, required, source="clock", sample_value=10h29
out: 4h33
